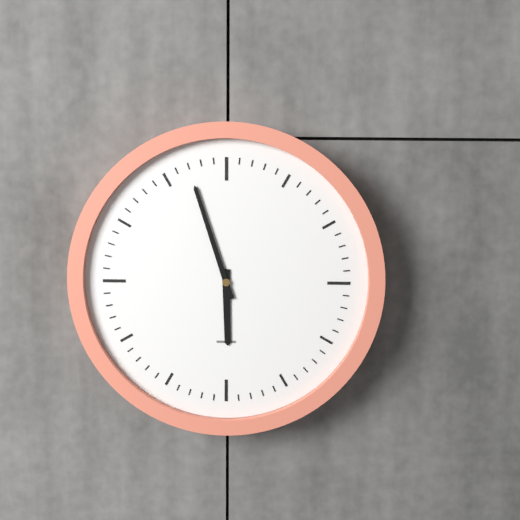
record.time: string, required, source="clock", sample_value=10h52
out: 5h57
